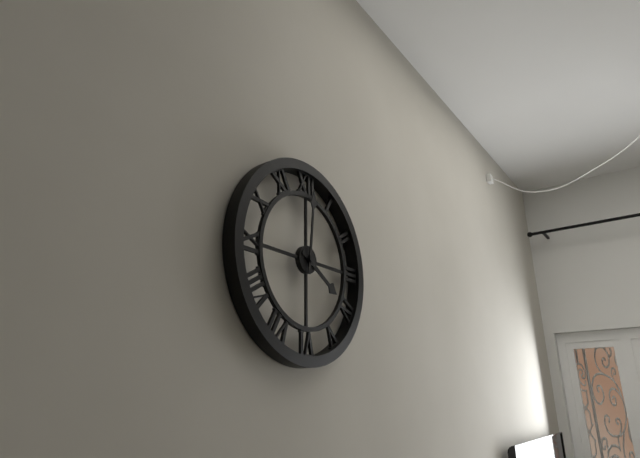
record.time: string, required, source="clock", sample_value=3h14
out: 4h01
